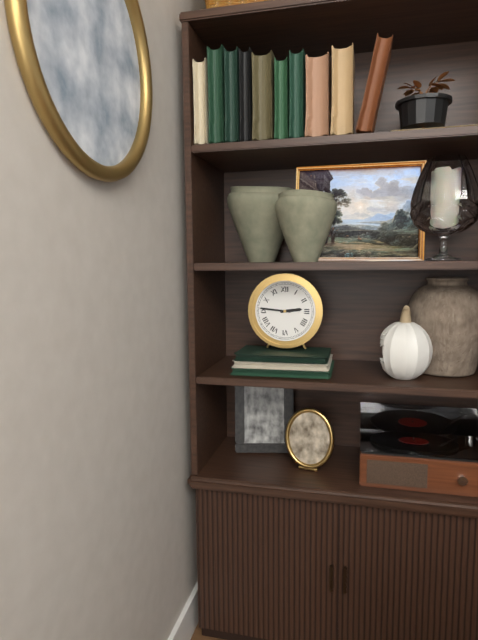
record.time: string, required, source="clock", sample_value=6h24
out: 2h46
